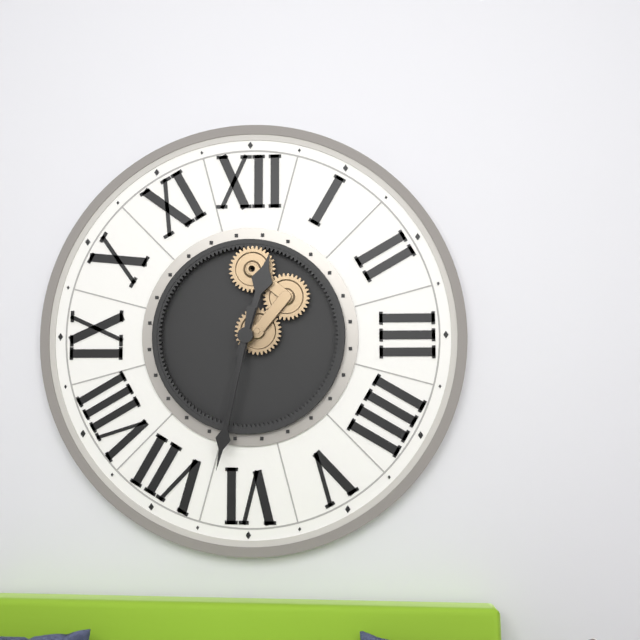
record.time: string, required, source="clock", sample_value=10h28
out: 12h32
